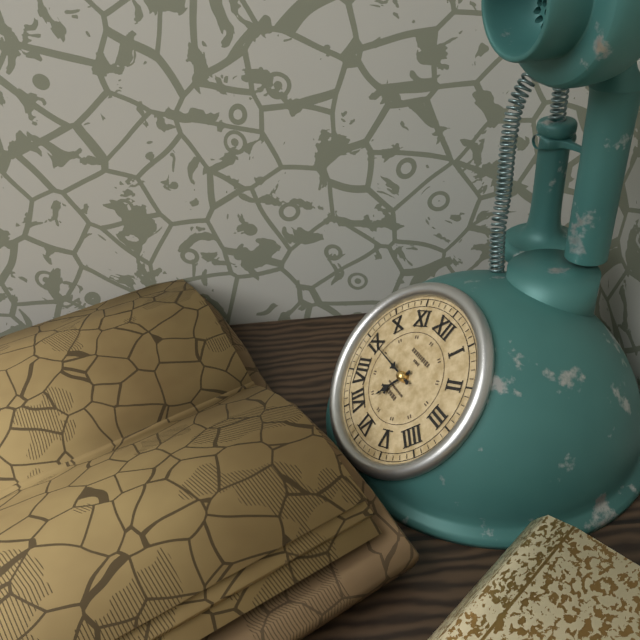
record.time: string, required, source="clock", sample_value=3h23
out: 6h45
